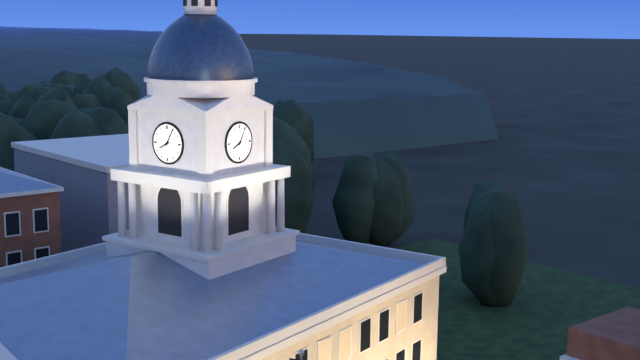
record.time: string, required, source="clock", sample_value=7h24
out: 8h05
